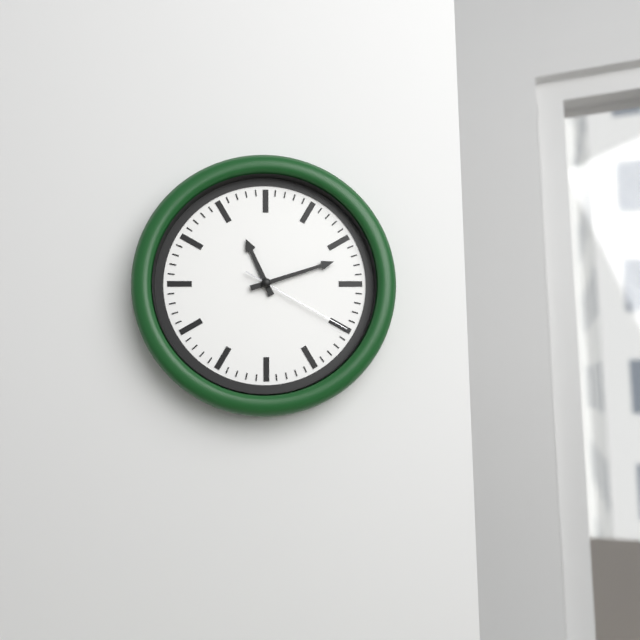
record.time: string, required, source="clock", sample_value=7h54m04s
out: 11h12m20s
